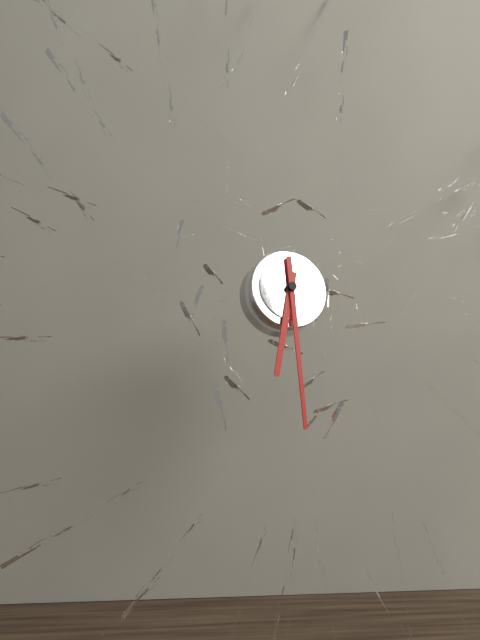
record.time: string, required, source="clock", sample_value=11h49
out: 6h30
